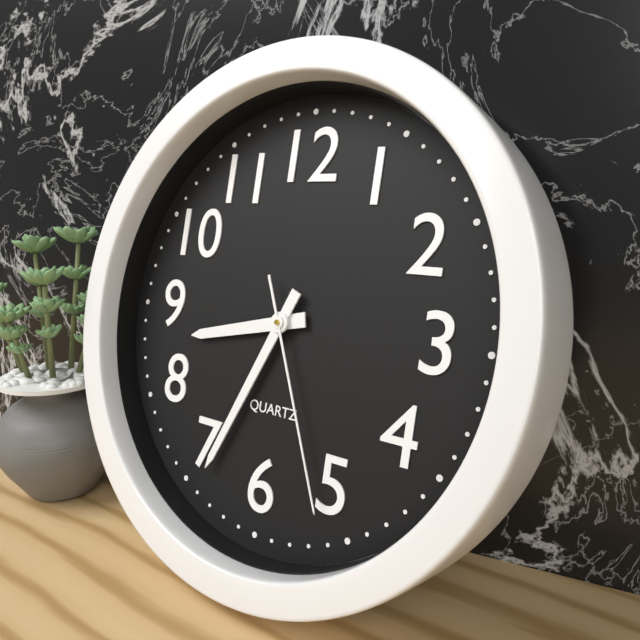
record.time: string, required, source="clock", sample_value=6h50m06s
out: 8h34m26s
